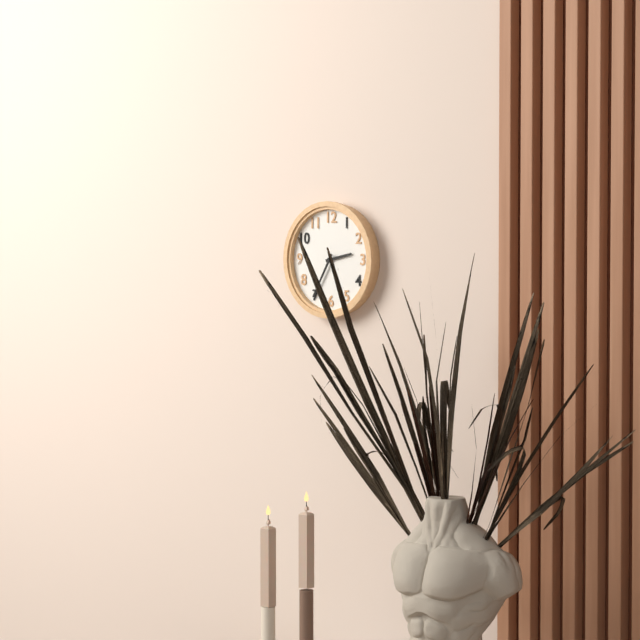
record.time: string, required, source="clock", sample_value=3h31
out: 2h35
